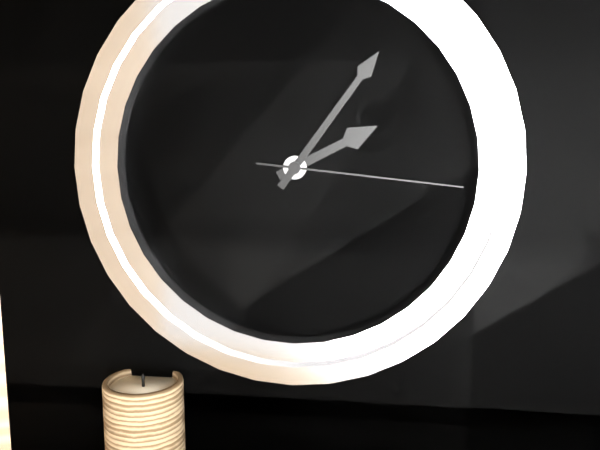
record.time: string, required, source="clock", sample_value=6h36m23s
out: 2h06m16s
